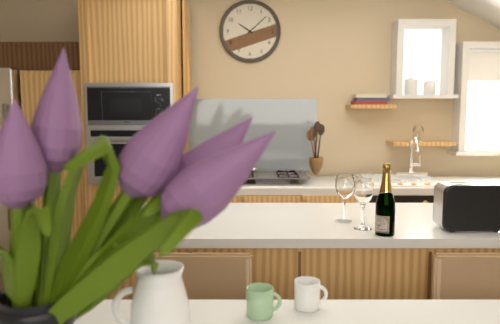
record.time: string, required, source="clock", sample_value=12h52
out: 10h08
